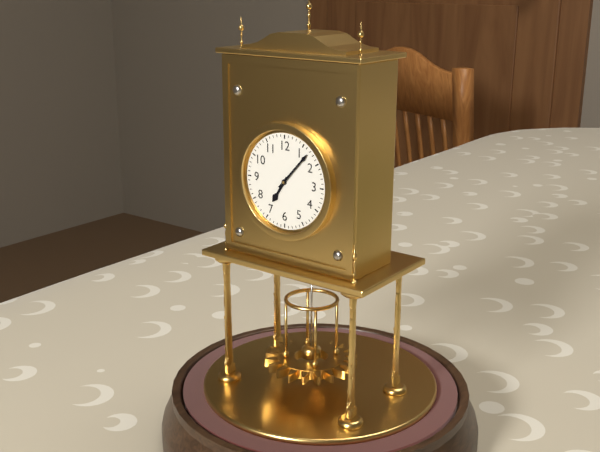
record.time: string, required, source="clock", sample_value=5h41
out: 7h07
